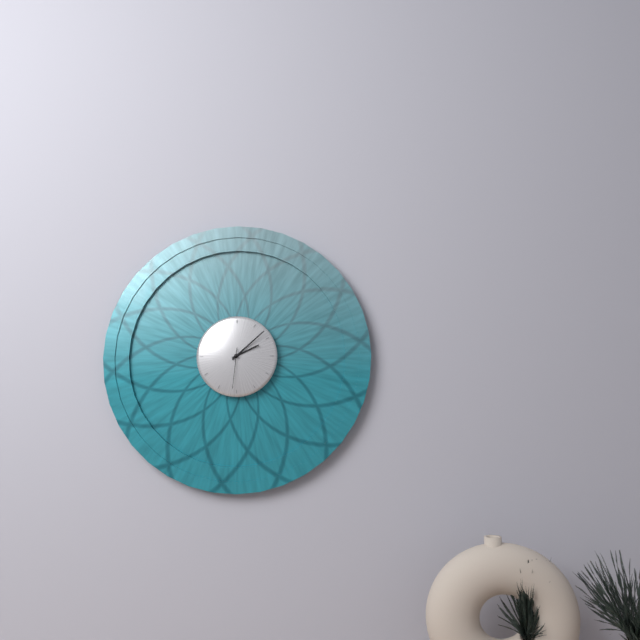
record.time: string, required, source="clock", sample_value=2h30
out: 2h08
